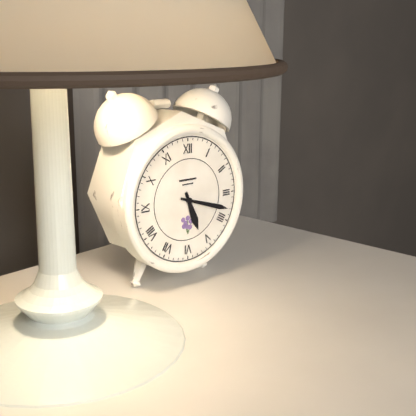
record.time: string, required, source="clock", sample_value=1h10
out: 5h18
